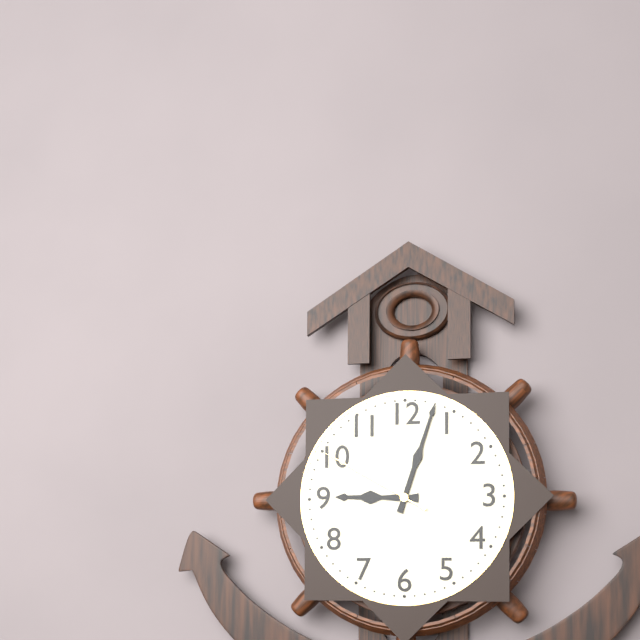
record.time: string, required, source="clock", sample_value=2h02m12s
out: 9h03m50s
